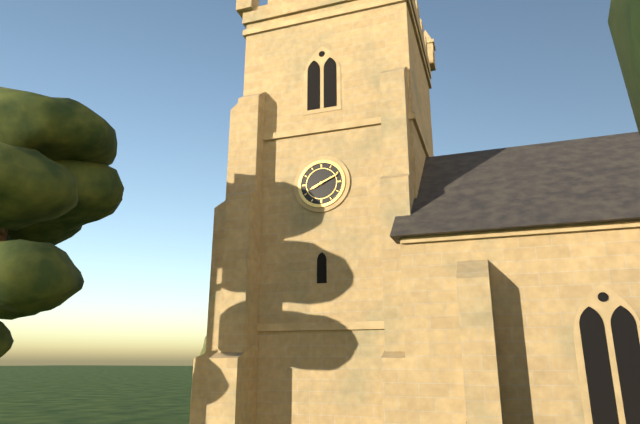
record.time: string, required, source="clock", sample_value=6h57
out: 8h11
